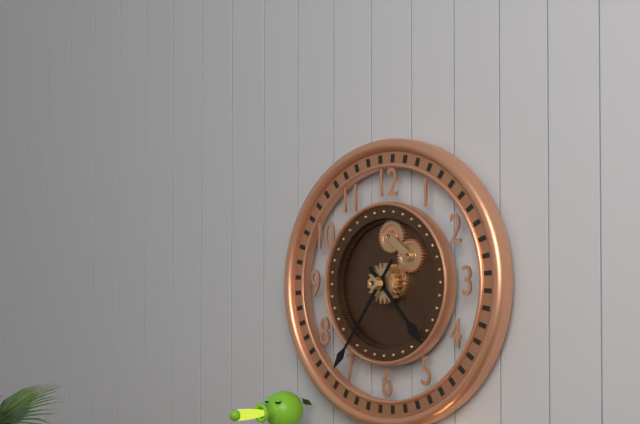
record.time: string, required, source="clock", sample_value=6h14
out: 4h36
